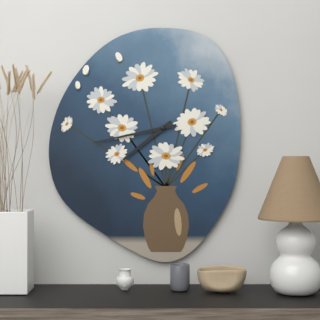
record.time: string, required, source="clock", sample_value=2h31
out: 7h43
